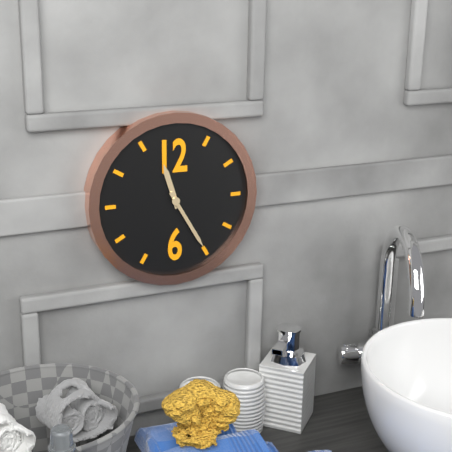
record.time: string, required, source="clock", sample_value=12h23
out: 11h25
